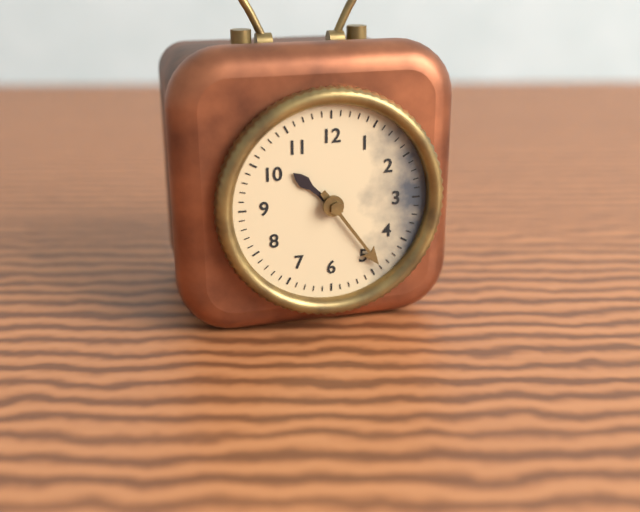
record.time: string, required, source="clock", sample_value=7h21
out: 10h24
